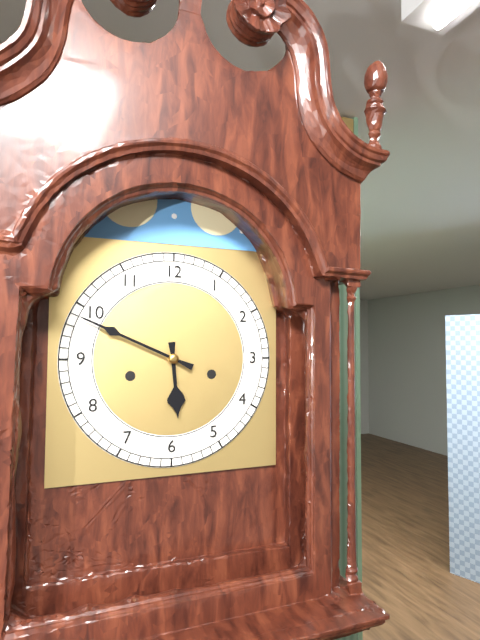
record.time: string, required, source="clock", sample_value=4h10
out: 5h49
